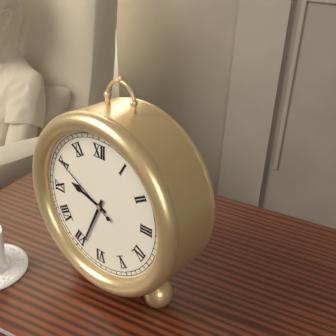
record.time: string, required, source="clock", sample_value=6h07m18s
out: 9h34m50s
